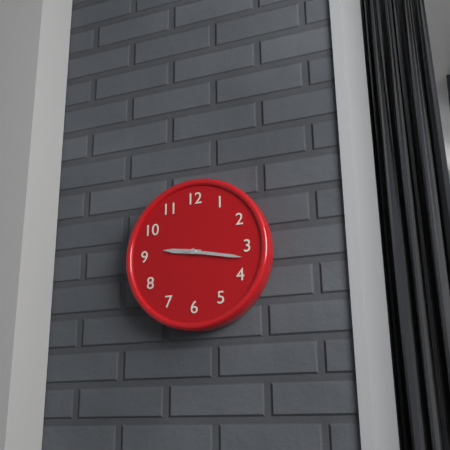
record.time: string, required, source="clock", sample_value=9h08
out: 9h17
